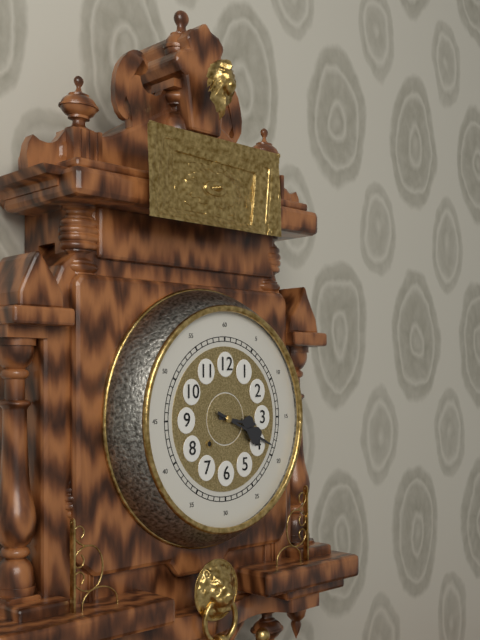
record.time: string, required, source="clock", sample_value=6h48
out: 3h19
